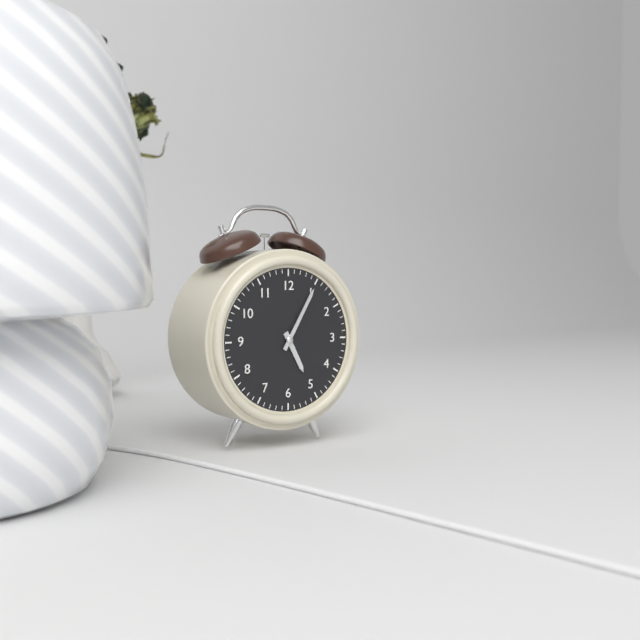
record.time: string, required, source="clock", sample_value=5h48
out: 5h05
